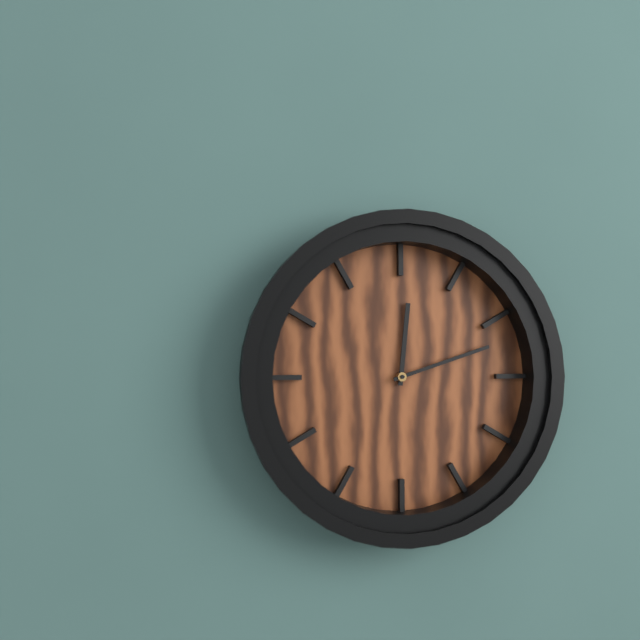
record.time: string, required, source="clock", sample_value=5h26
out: 12h12
